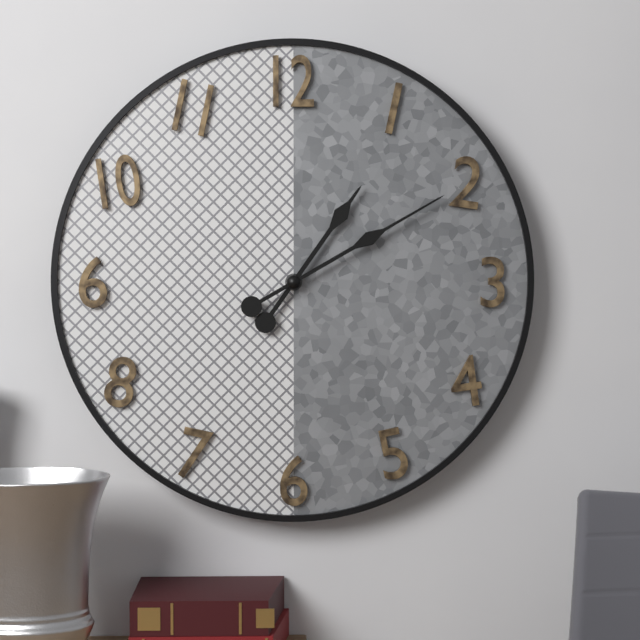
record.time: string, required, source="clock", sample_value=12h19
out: 1h10
